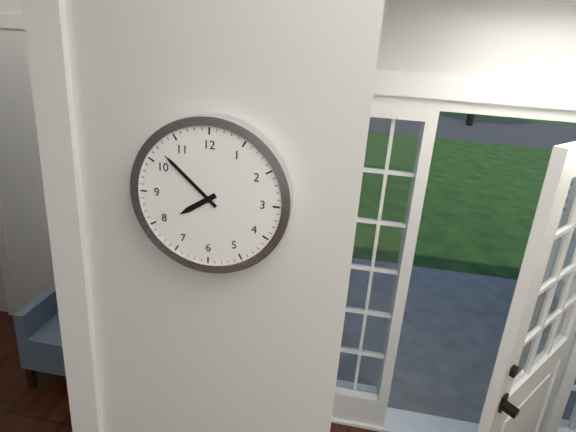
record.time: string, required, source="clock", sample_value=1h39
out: 7h52
